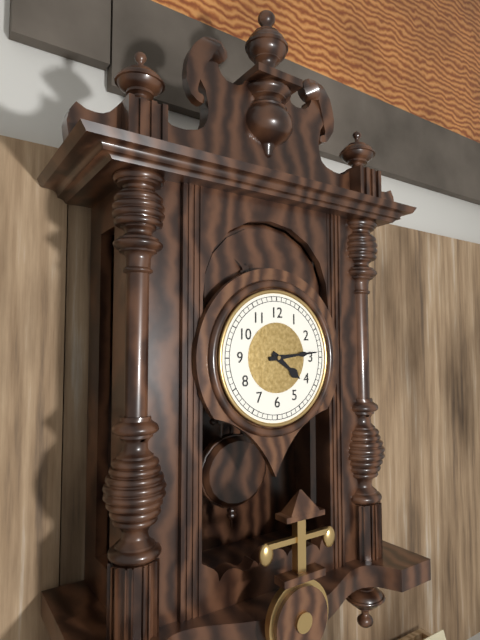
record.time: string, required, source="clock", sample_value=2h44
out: 4h14
